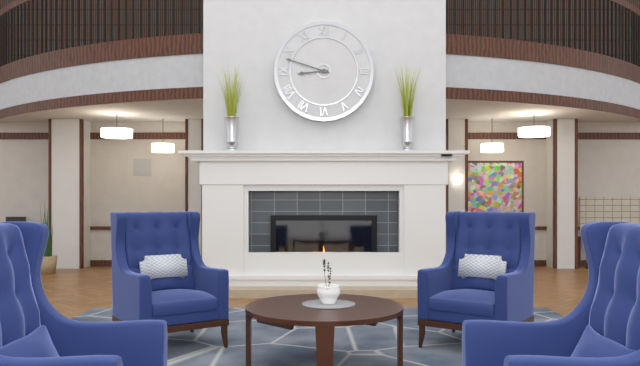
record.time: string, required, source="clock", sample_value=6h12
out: 8h48
